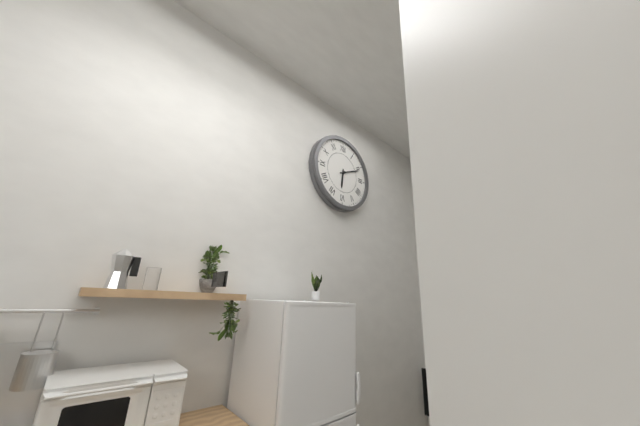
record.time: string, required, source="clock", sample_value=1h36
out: 6h11
